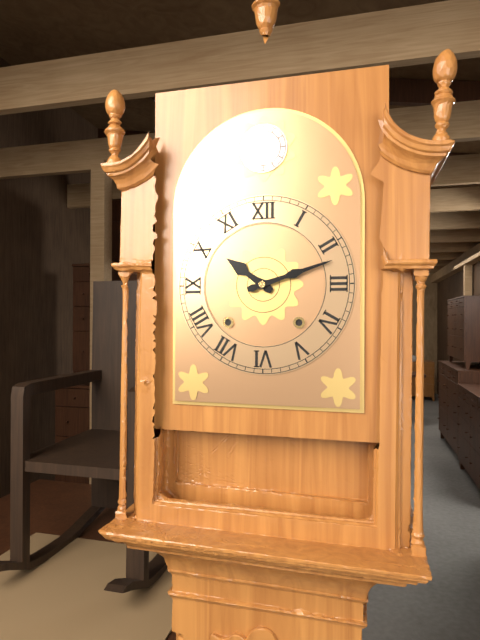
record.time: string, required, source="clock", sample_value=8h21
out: 10h12
